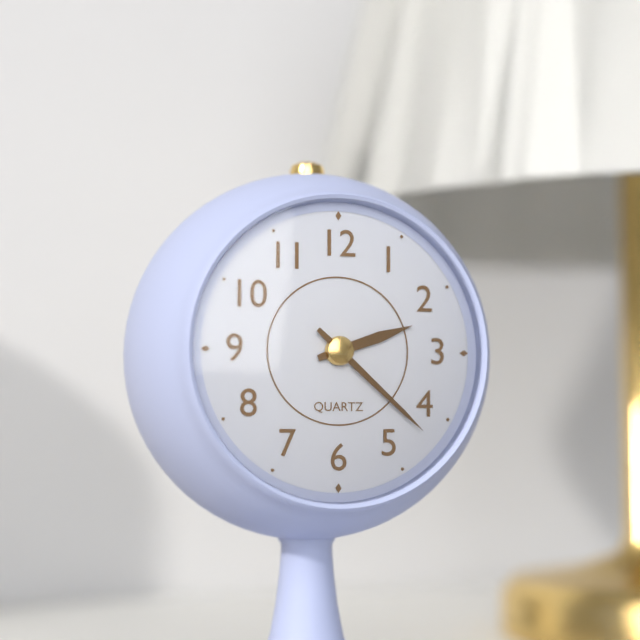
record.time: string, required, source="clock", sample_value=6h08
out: 2h22
